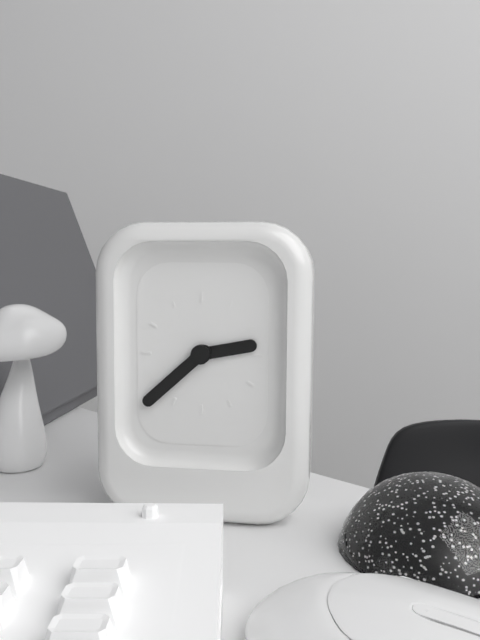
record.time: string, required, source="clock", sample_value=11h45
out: 2h38
